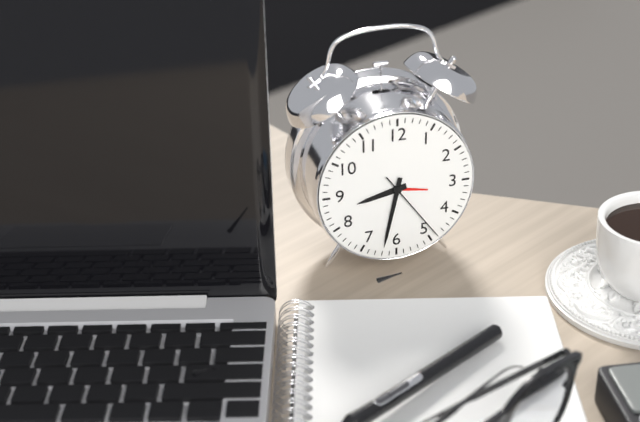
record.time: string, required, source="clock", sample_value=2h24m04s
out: 8h32m24s
